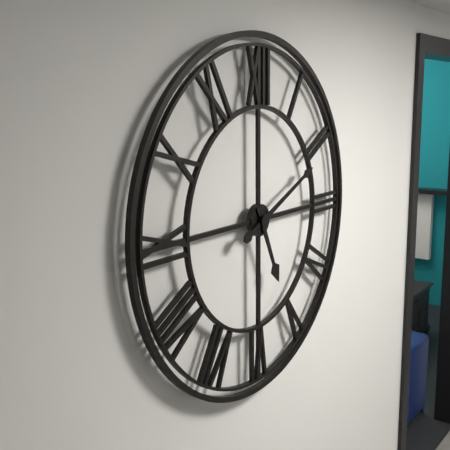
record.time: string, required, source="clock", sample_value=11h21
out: 5h11
